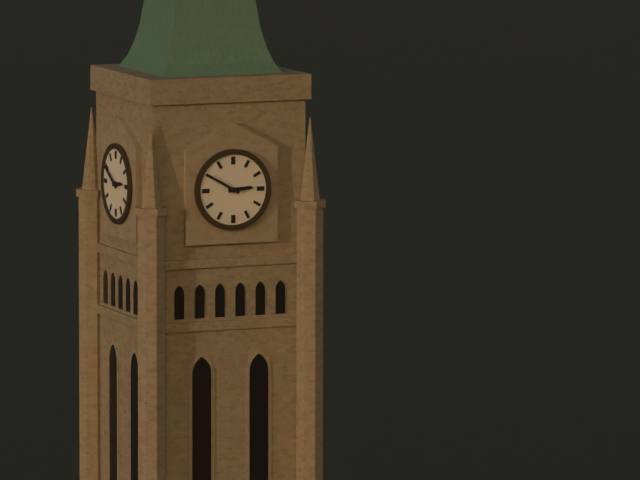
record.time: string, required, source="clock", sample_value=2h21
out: 2h50
